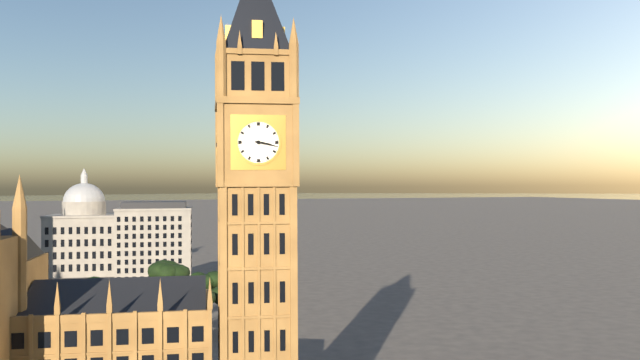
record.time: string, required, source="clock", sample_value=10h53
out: 3h17
